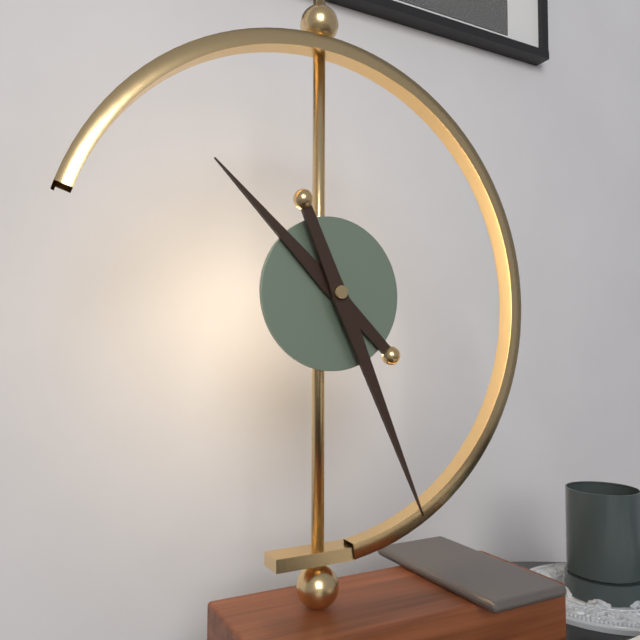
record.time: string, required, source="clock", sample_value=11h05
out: 10h26
